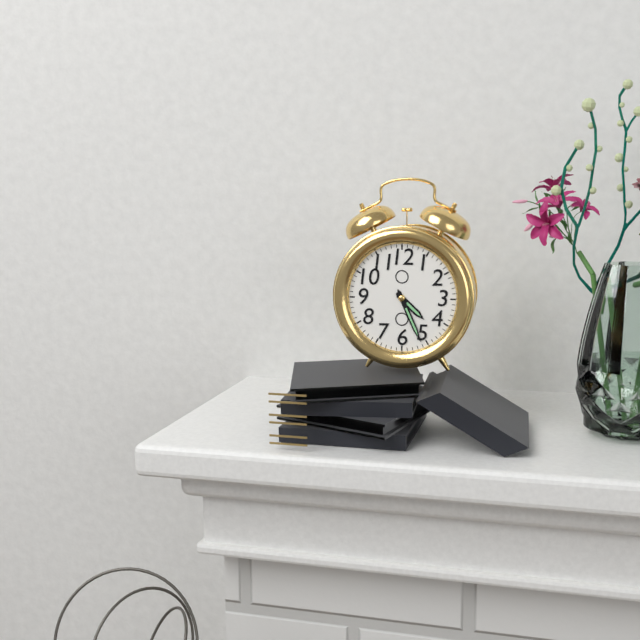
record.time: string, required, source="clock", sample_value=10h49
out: 4h26
